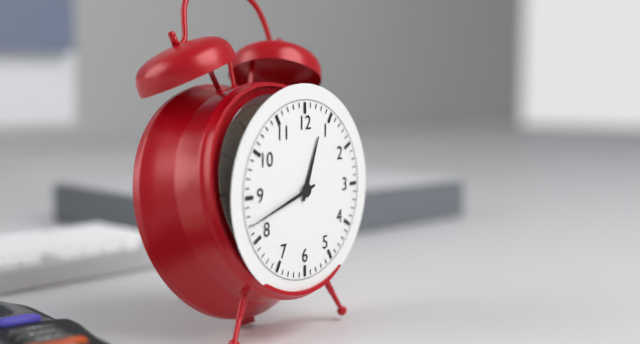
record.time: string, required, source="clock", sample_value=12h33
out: 12h42
